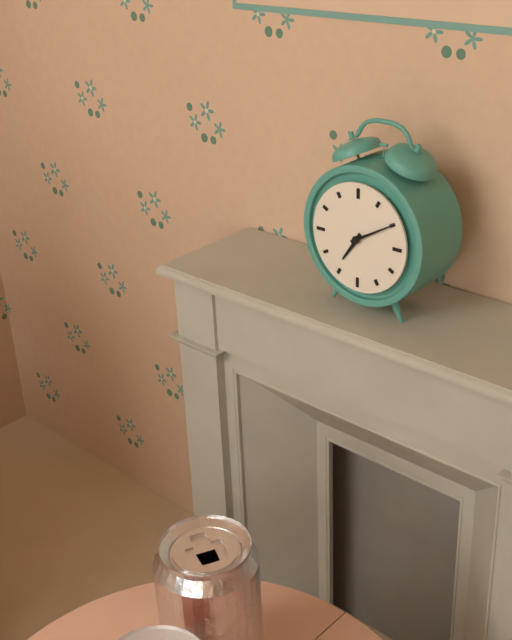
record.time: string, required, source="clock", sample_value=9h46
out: 7h10
